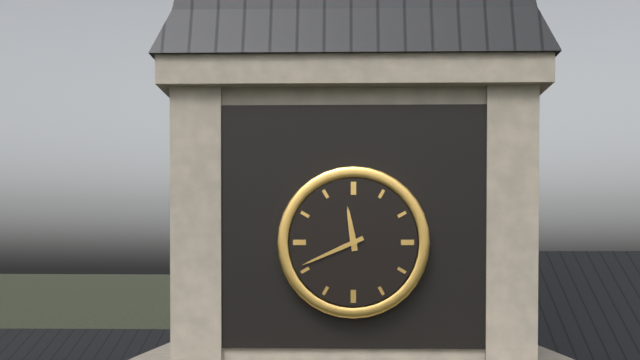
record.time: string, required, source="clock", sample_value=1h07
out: 11h41
